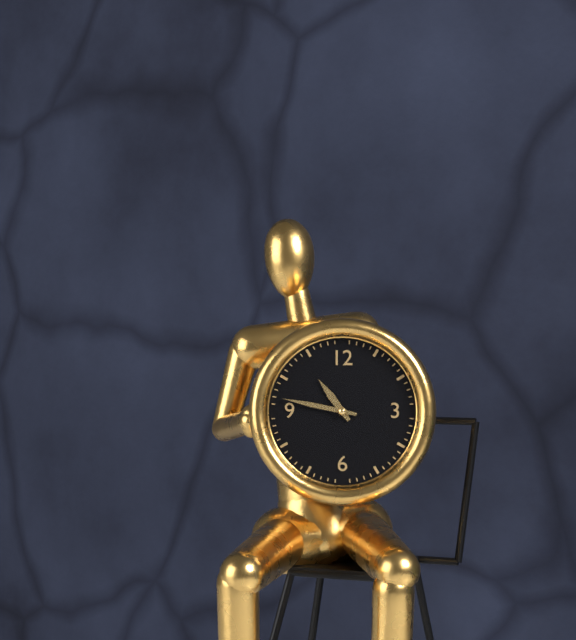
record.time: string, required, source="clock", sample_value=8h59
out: 10h47
